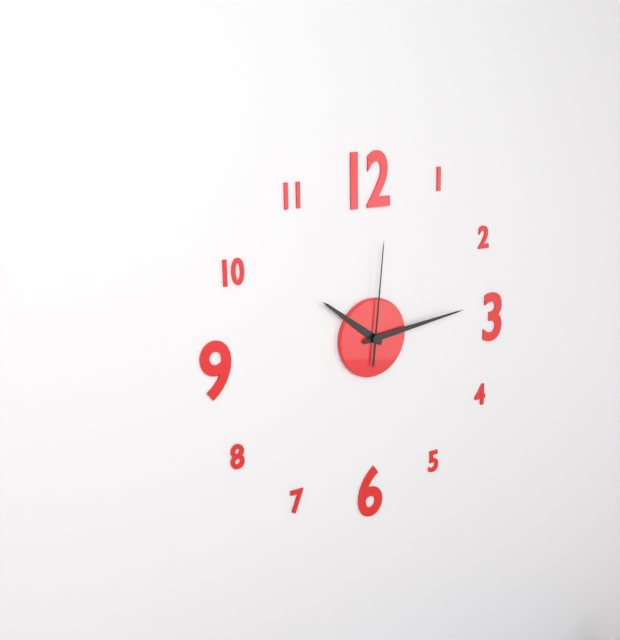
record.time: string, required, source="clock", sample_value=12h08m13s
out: 10h14m01s
